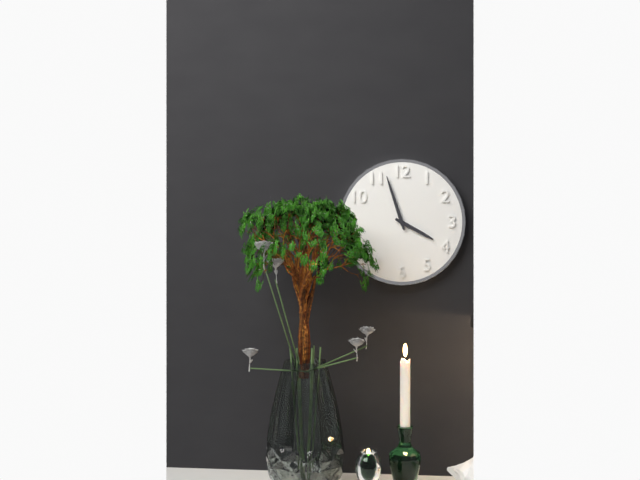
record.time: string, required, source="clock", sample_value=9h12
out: 3h57
